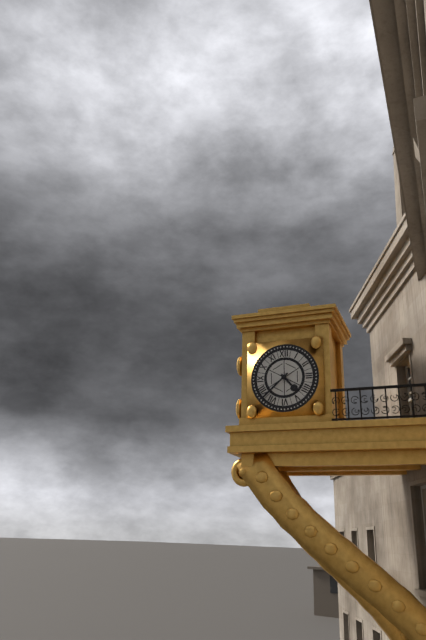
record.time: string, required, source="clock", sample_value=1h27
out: 4h38
